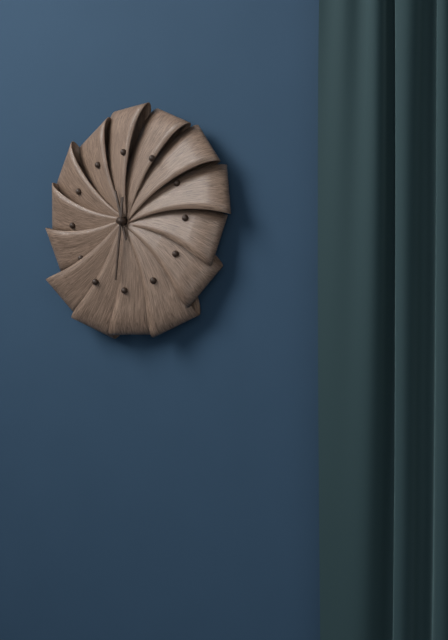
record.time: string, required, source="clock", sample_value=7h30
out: 11h31
